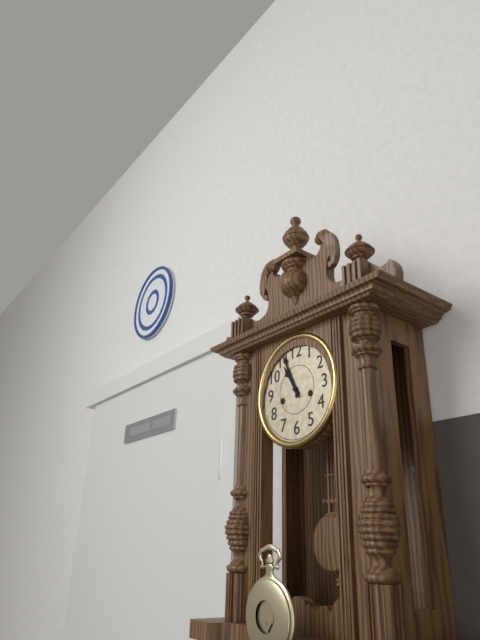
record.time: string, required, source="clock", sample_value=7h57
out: 10h56
